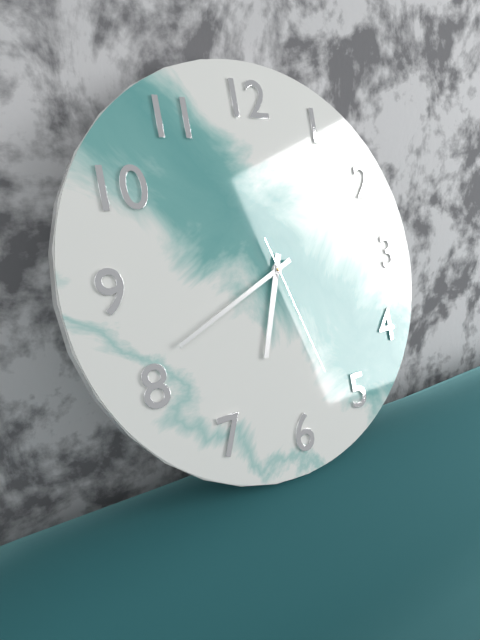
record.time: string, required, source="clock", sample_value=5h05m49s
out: 6h41m27s
